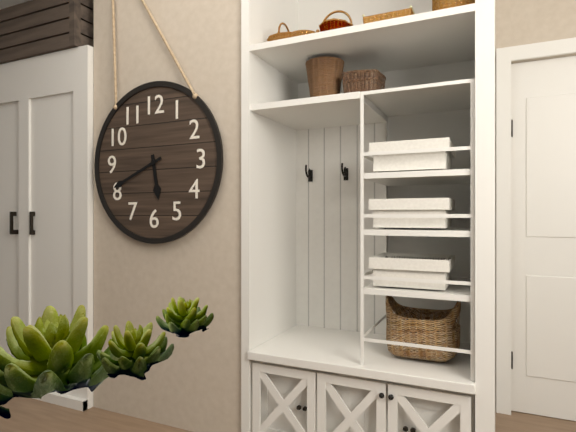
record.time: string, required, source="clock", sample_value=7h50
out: 5h41
